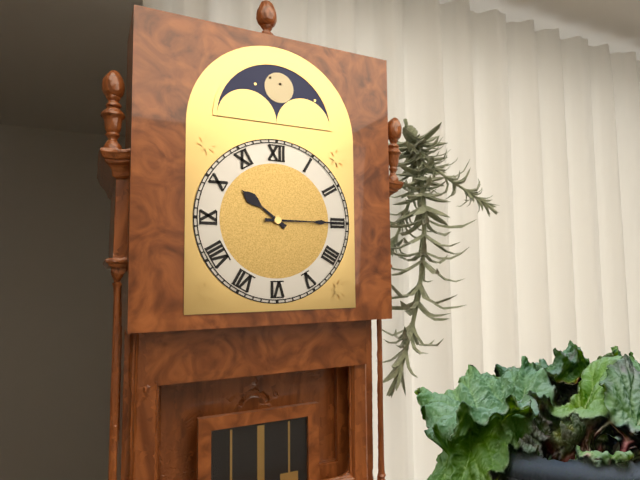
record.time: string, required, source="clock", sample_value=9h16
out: 10h15
